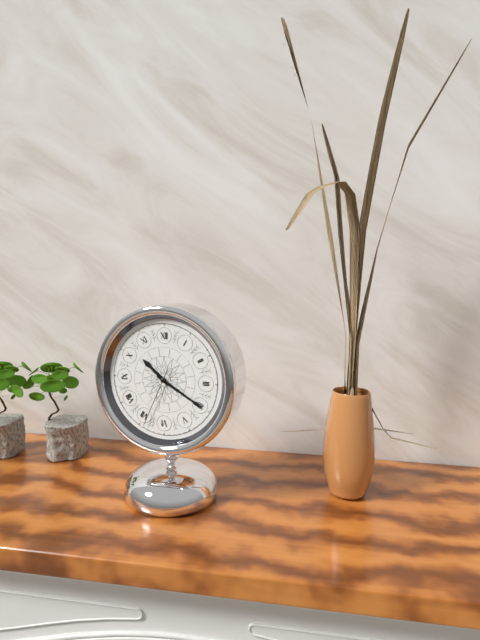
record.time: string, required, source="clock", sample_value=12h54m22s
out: 10h20m34s
